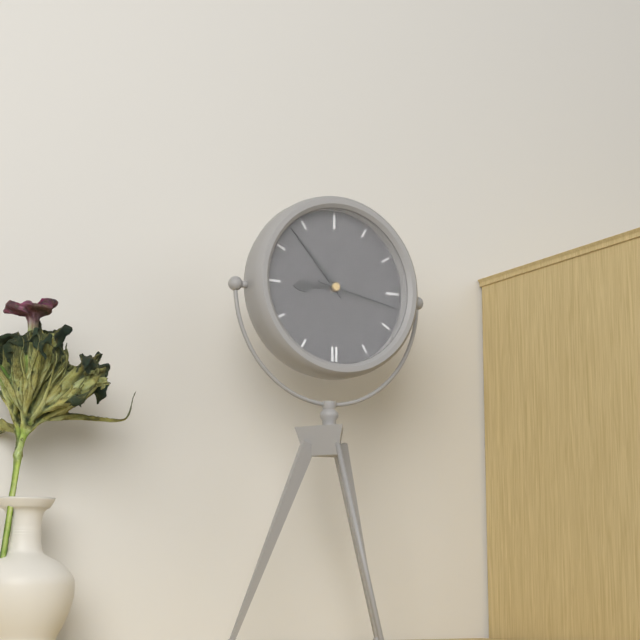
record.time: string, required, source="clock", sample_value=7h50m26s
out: 8h53m17s
